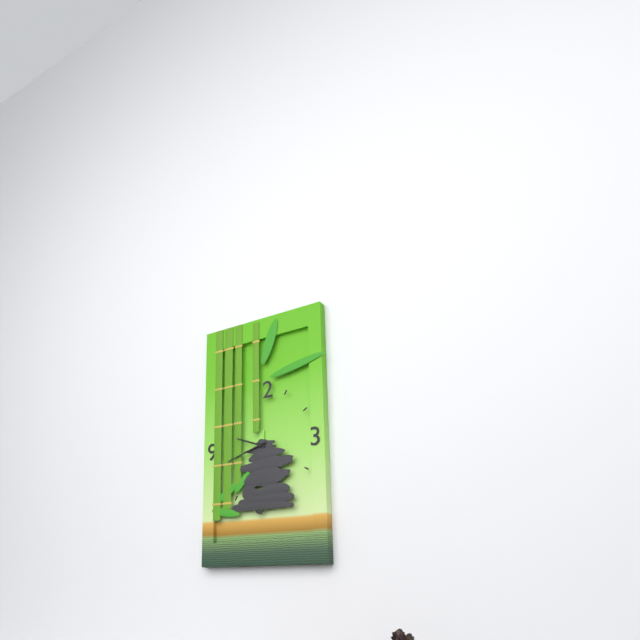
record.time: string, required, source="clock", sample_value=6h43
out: 9h42
